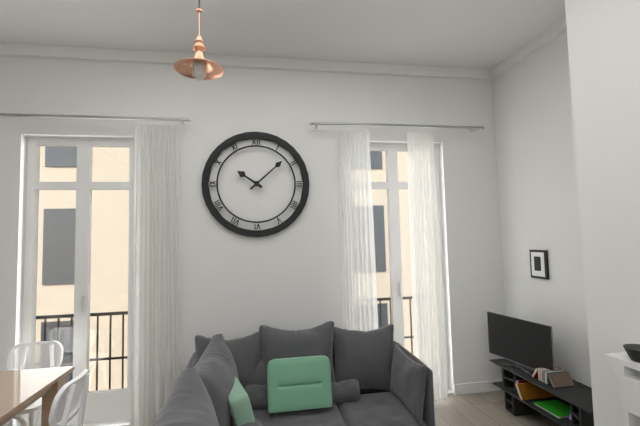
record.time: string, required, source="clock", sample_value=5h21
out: 10h08
